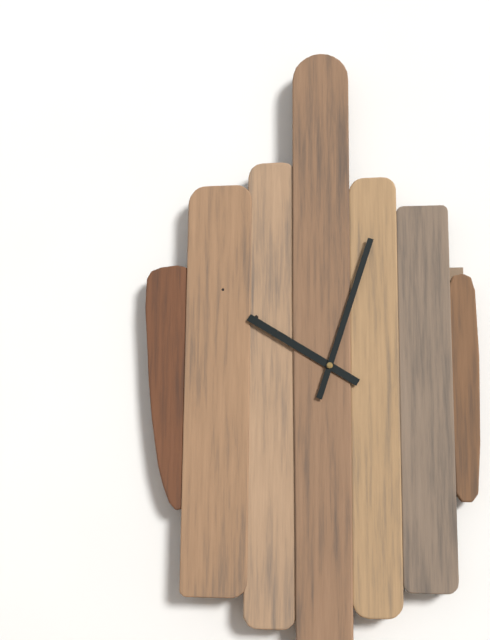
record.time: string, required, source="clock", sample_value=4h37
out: 10h03
